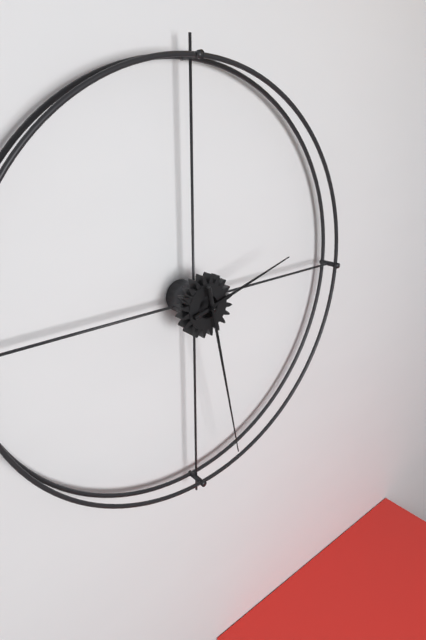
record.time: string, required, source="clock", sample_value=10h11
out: 2h28
